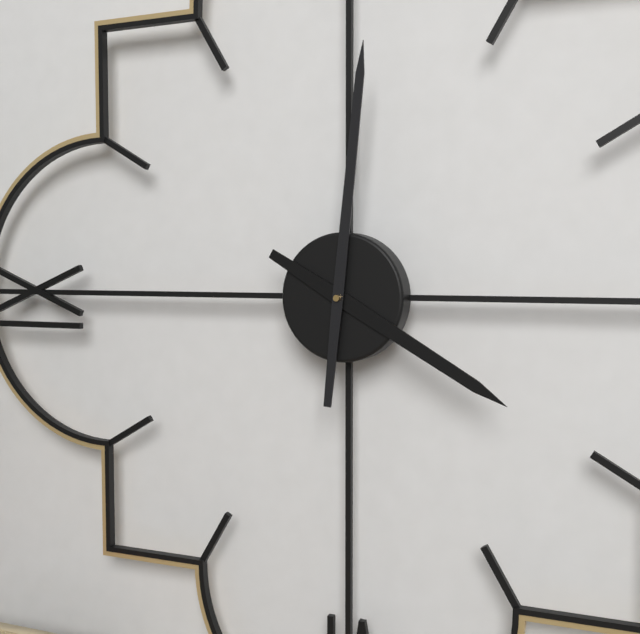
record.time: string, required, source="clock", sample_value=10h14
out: 4h01
